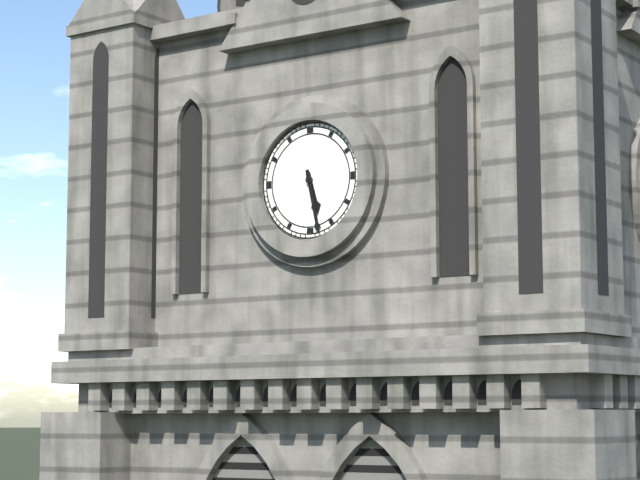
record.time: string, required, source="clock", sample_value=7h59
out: 5h28
